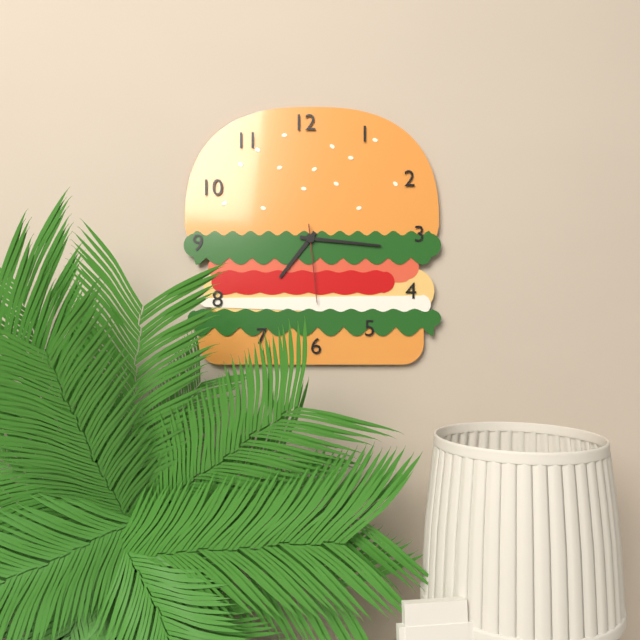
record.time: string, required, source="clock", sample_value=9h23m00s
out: 7h16m29s
